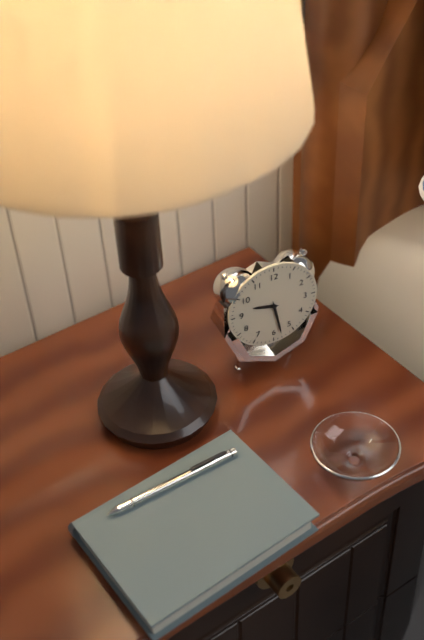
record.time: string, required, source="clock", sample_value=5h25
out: 9h28
